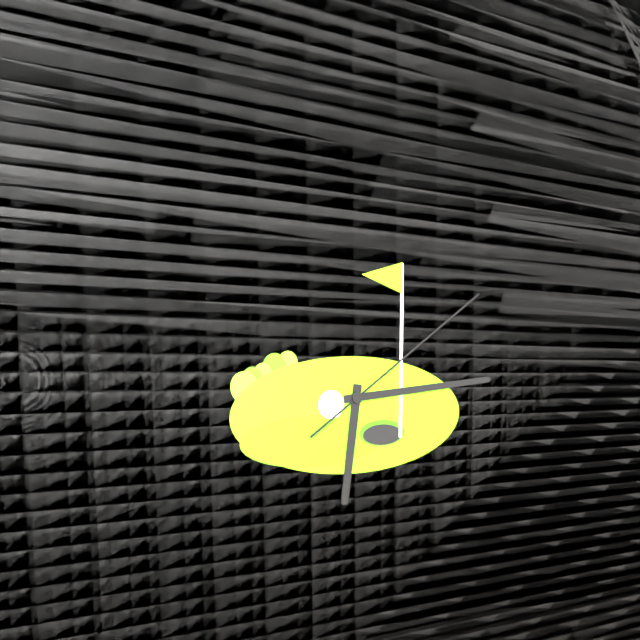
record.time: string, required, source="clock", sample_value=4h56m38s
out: 6h14m09s
